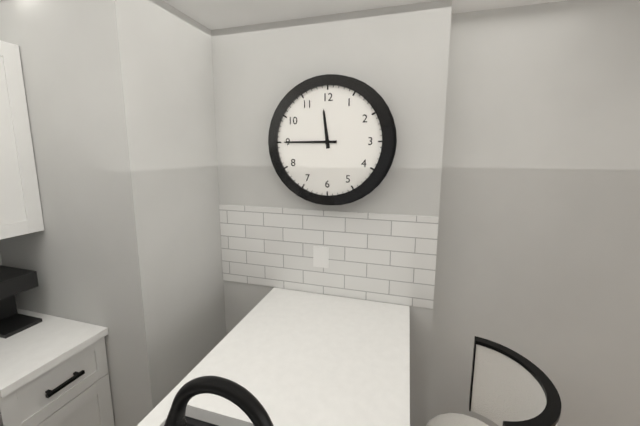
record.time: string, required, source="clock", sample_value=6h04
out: 11h45
